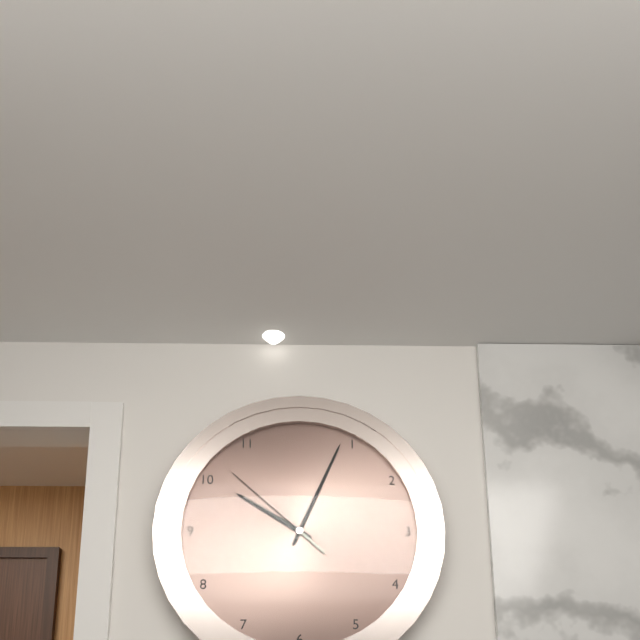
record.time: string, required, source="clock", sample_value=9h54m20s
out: 10h04m52s
